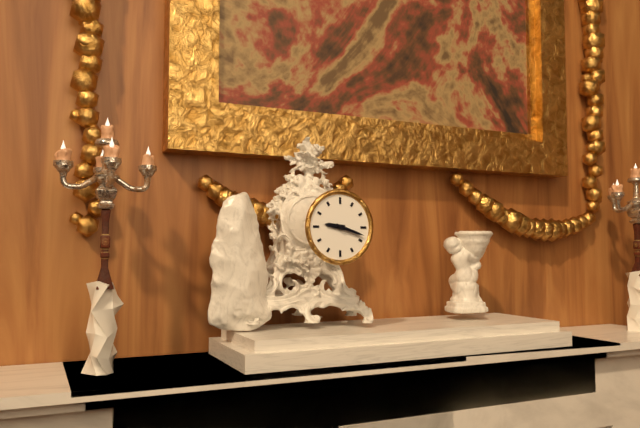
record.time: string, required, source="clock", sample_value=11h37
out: 9h18
